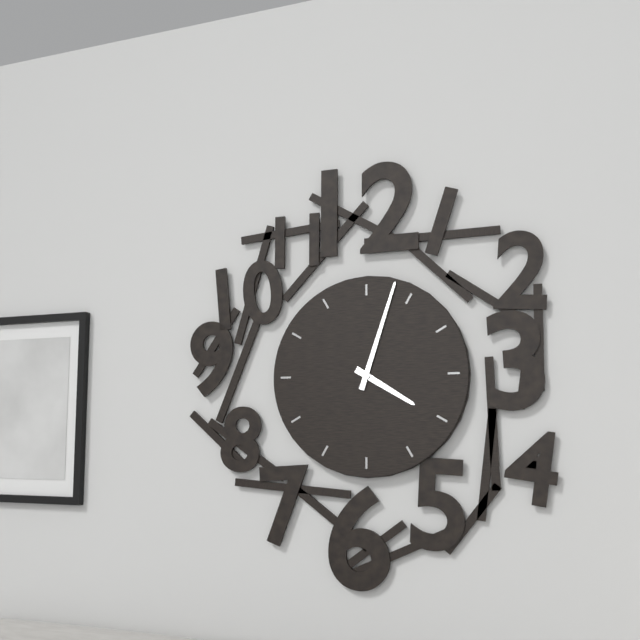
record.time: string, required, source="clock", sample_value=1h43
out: 4h03
